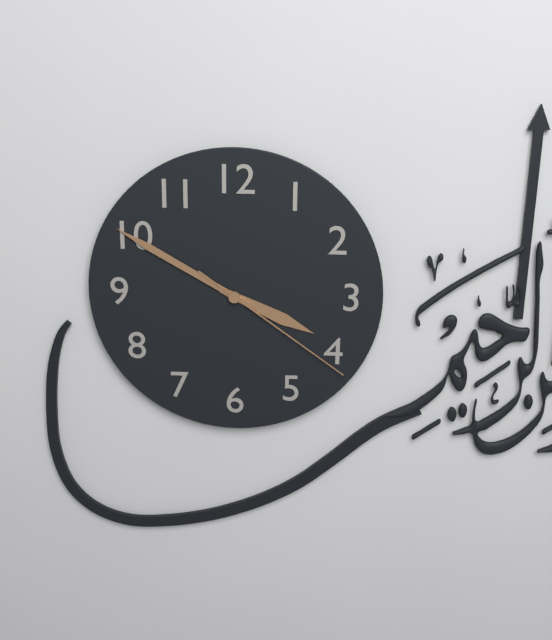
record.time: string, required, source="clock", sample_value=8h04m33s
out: 3h50m21s
